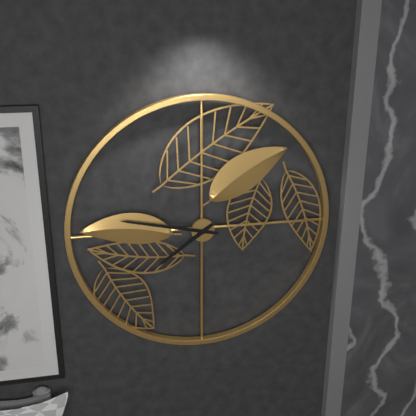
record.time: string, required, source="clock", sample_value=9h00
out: 7h47
